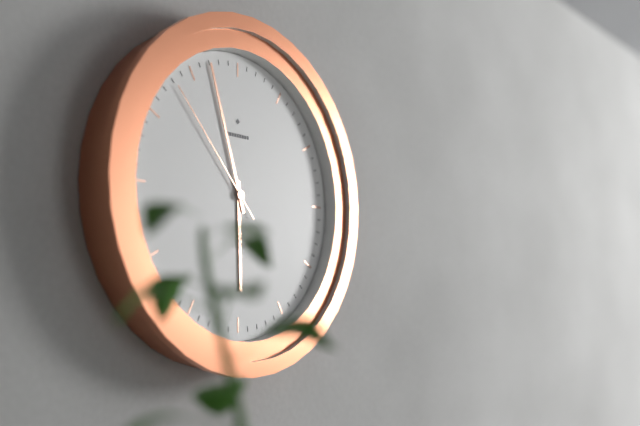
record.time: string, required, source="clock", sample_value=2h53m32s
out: 5h57m53s
